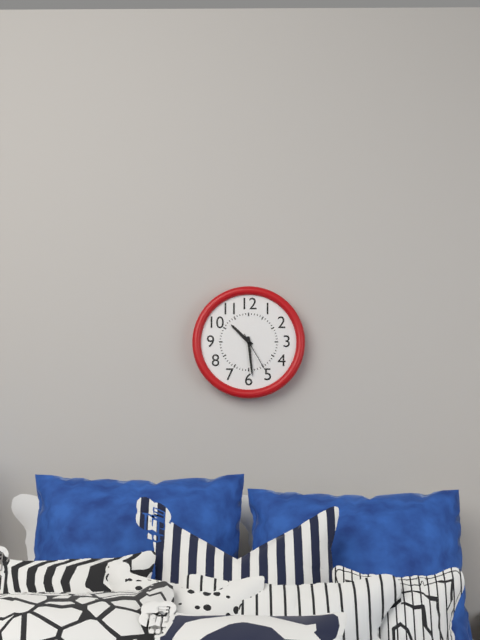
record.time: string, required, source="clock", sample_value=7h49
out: 10h29
